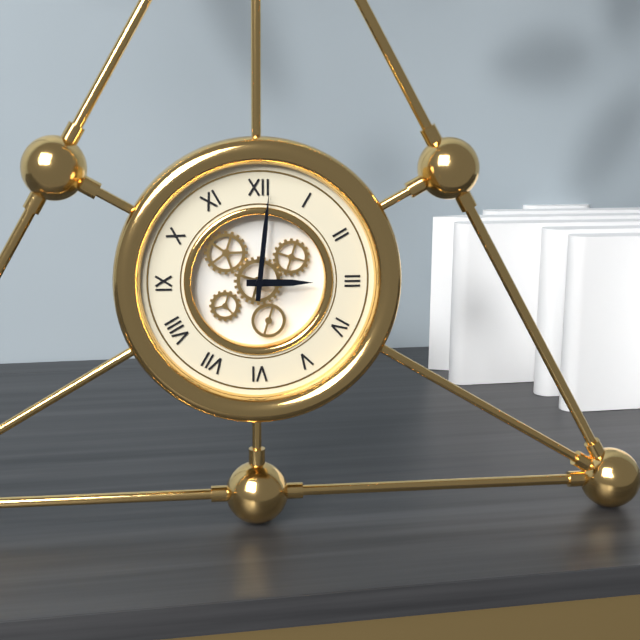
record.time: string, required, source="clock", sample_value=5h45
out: 3h01
